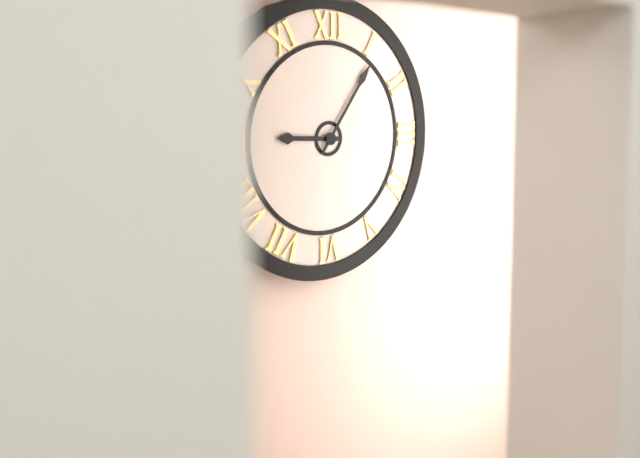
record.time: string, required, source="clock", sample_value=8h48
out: 9h06
